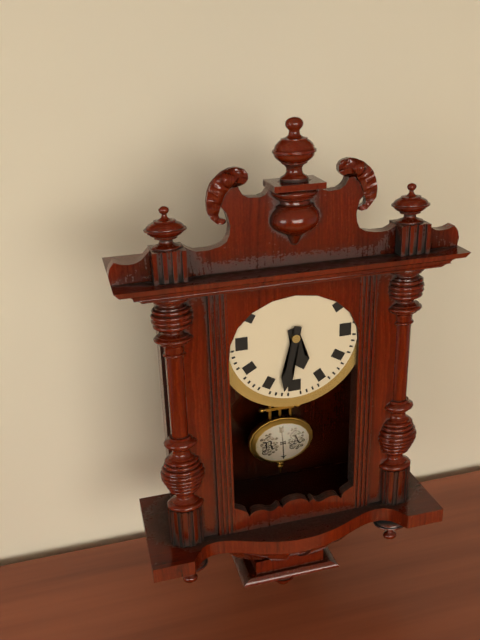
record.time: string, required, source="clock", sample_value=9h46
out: 5h32
